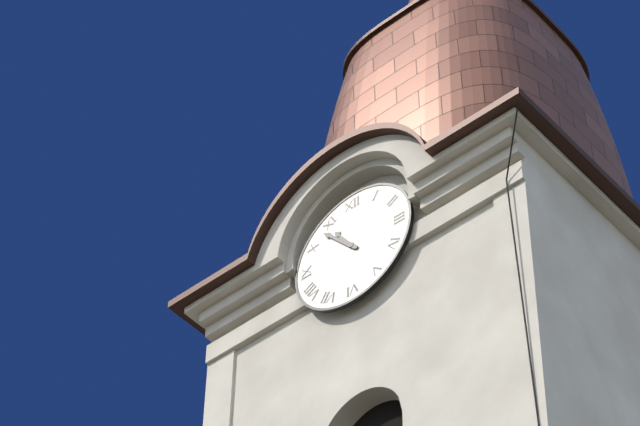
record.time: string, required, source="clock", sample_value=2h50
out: 10h53
